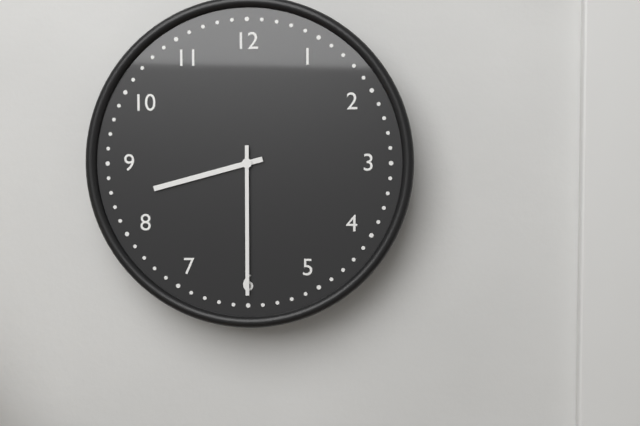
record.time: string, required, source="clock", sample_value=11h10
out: 8h30
